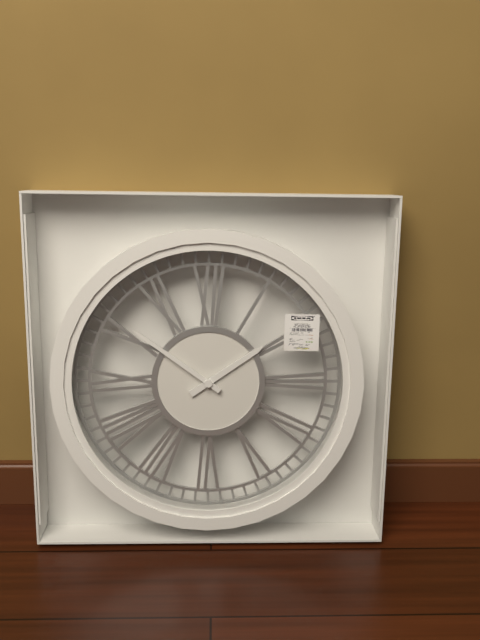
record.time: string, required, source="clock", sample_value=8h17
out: 1h51
